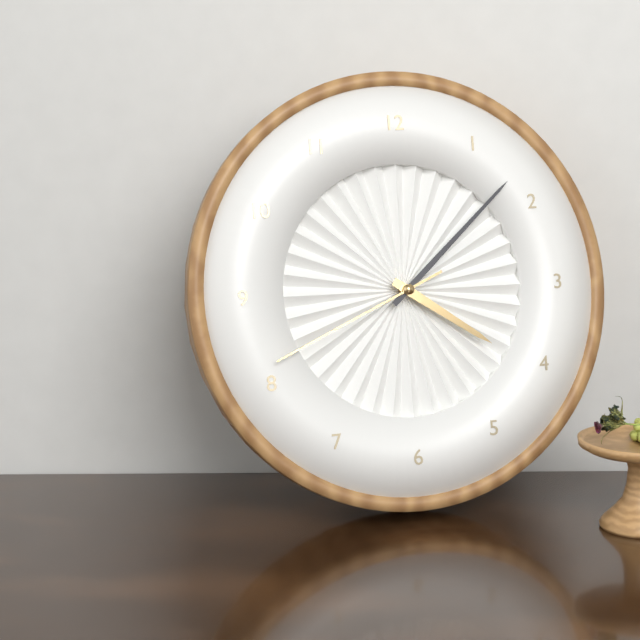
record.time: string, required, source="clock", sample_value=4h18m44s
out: 4h08m41s
